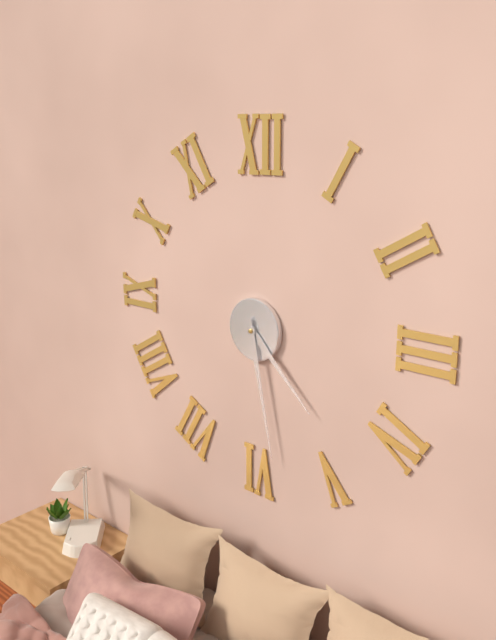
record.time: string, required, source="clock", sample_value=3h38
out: 4h28
